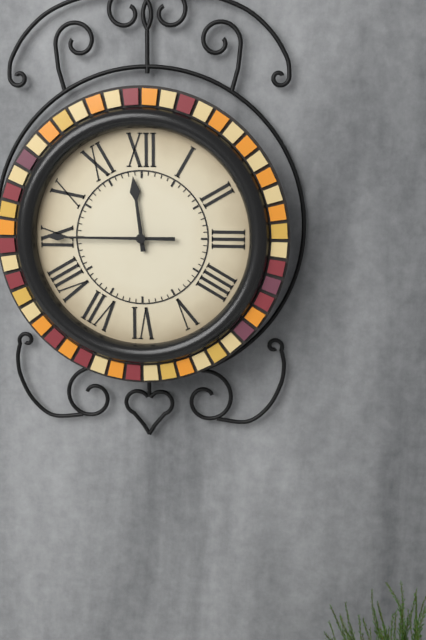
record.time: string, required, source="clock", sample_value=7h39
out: 11h45
